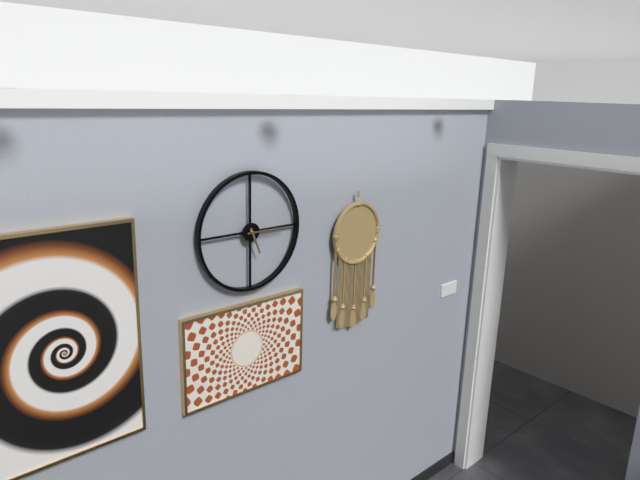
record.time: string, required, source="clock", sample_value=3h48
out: 5h15
